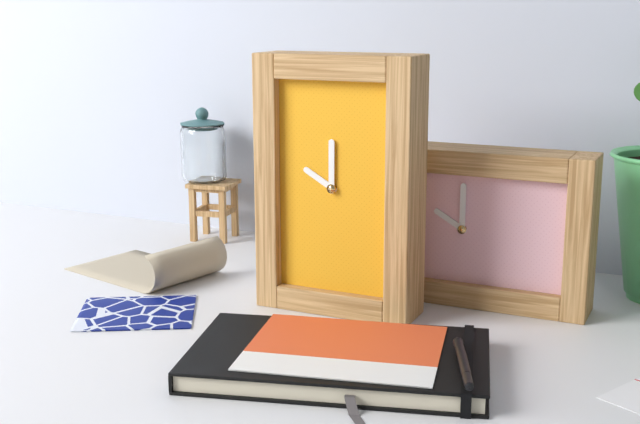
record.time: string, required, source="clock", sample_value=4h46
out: 10h00
